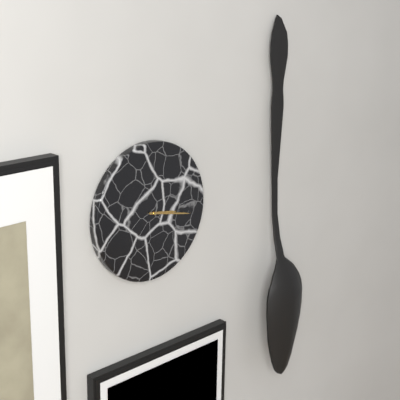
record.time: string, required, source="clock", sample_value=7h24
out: 3h17
